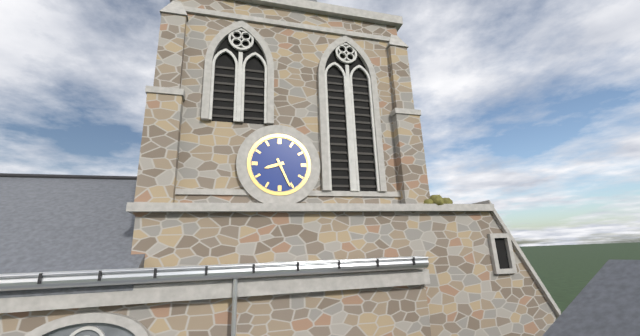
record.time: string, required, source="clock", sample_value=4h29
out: 8h26
